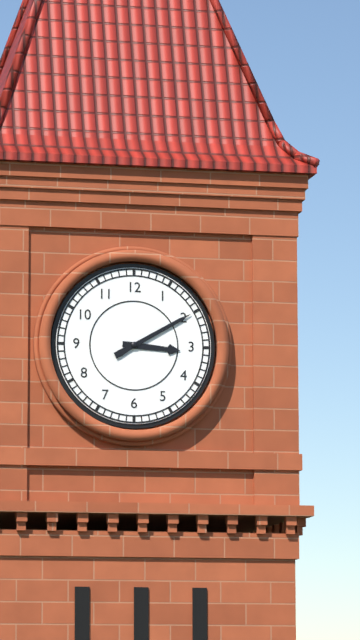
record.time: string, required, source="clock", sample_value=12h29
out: 3h10
